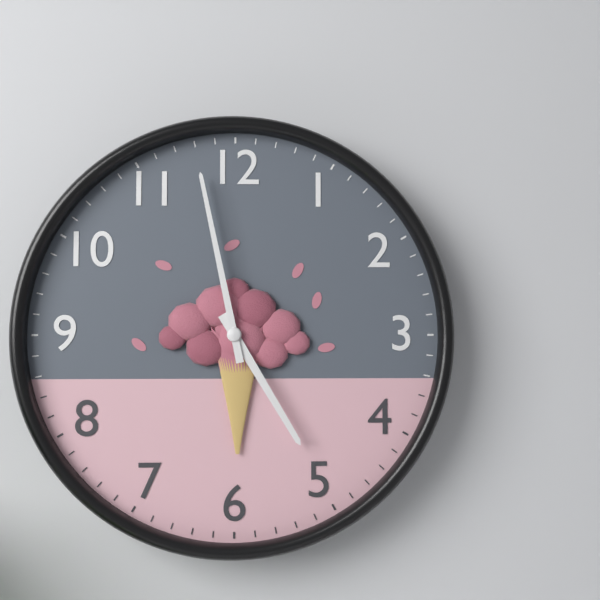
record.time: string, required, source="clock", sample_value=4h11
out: 4h58
